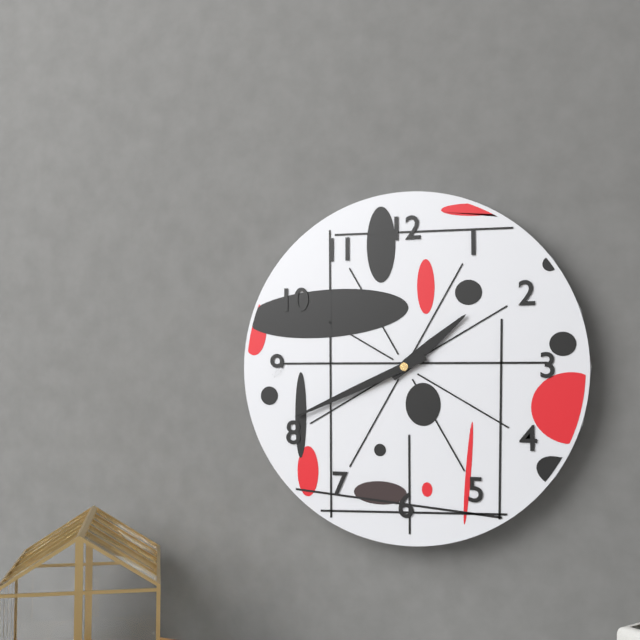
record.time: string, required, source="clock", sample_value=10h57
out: 1h41
